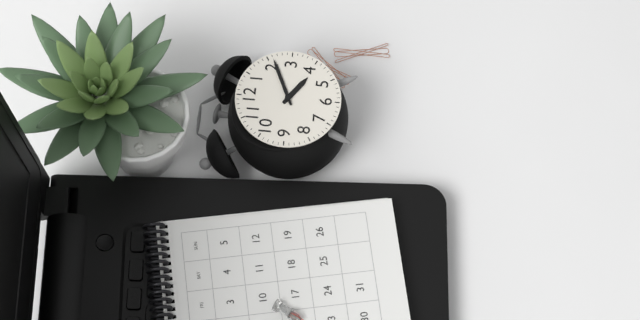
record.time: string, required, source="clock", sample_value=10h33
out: 4h11
